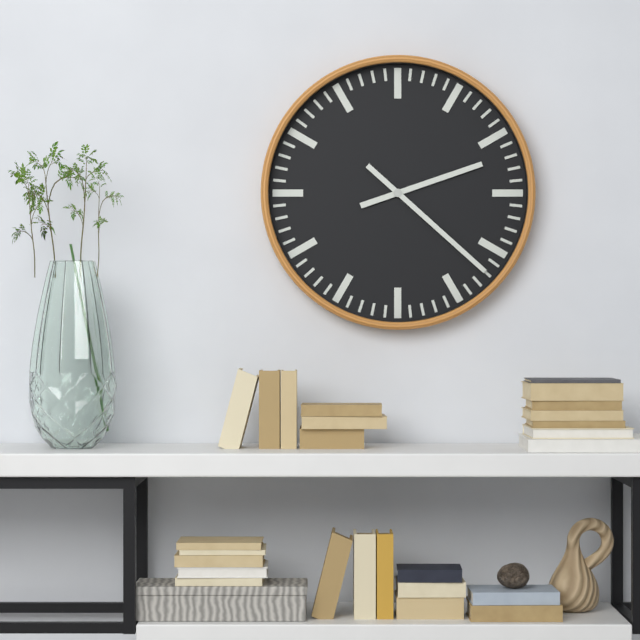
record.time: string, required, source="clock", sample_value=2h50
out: 2h22
